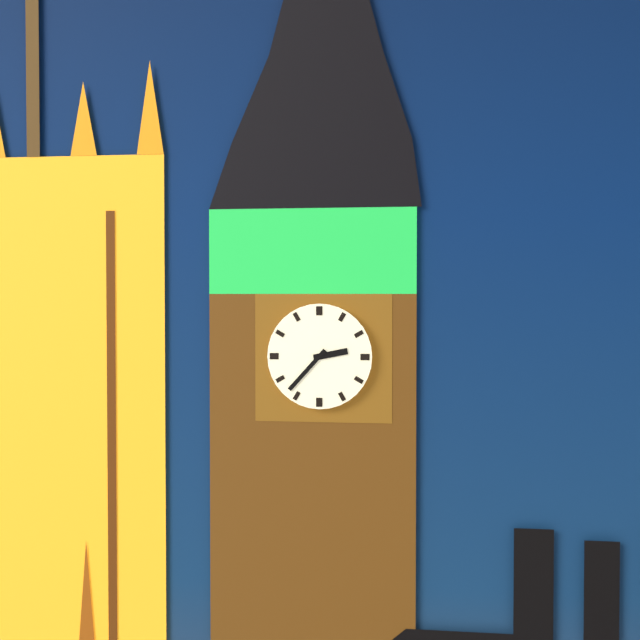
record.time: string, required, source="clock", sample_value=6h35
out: 2h37
